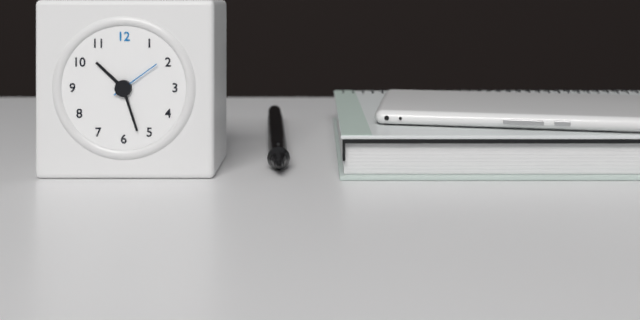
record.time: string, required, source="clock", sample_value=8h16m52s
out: 10h27m09s
